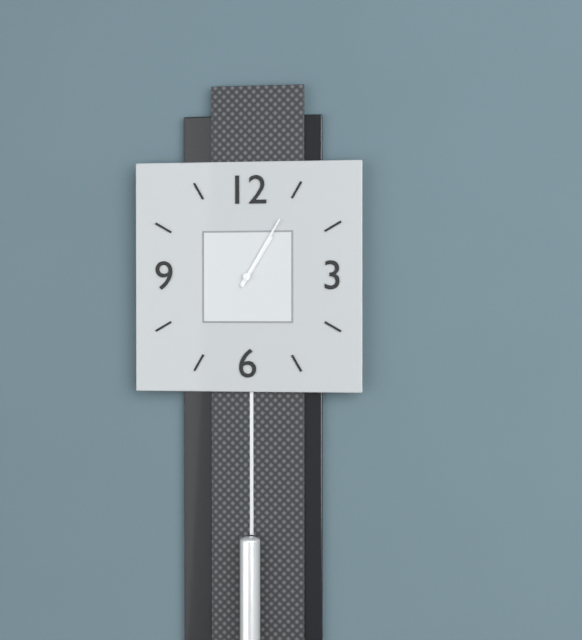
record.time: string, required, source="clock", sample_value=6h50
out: 1h05
